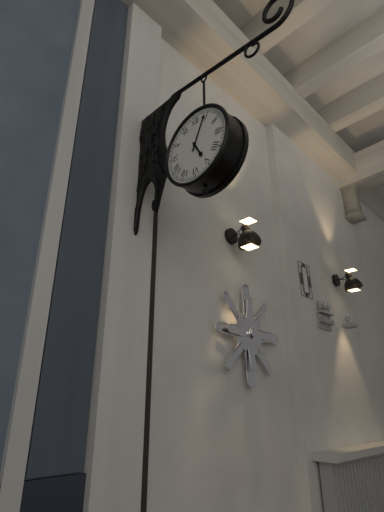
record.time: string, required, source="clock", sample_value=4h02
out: 5h04
